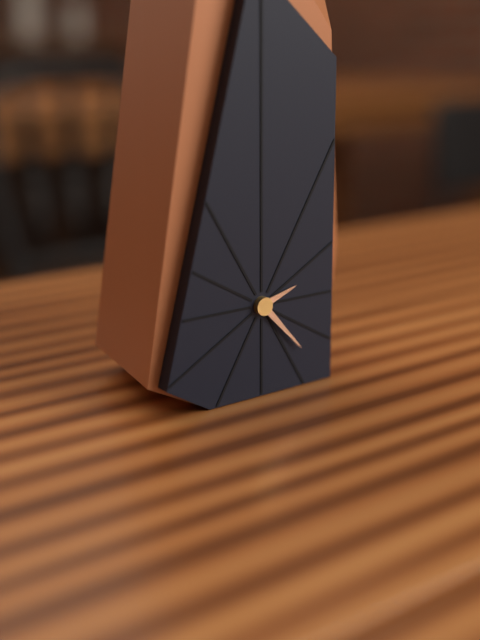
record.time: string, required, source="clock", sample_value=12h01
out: 2h23
